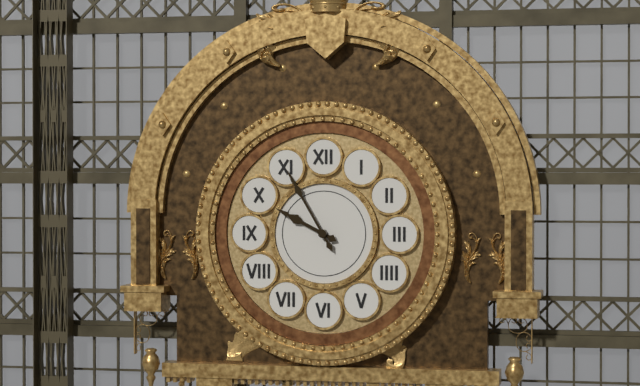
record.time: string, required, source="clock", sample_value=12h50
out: 9h55
